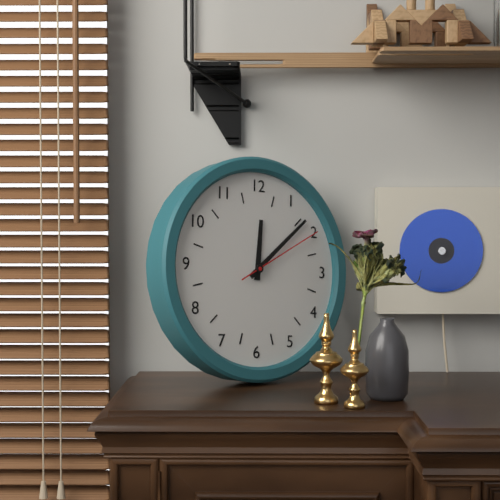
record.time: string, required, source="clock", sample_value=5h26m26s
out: 12h08m10s
